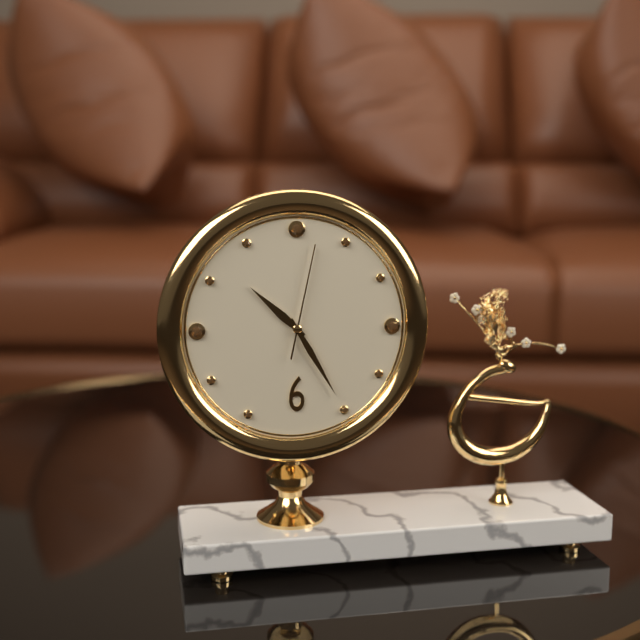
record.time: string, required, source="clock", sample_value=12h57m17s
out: 10h25m02s
